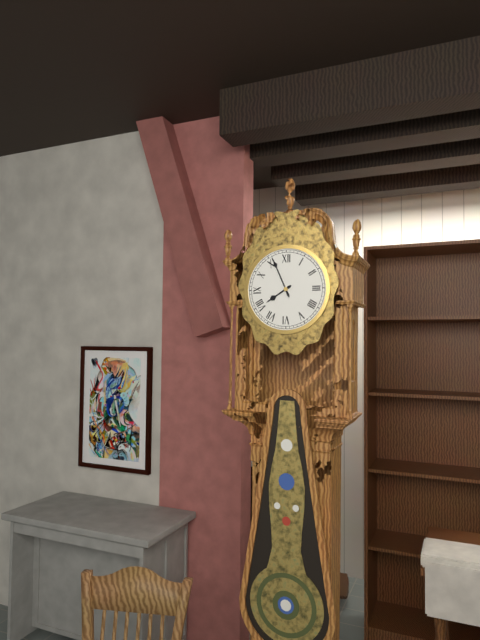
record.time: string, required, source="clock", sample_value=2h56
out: 7h56
